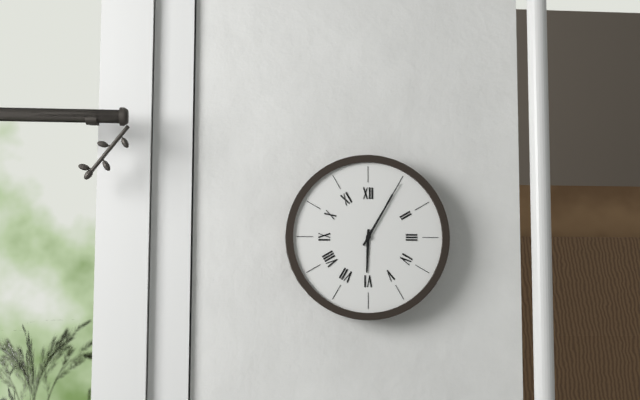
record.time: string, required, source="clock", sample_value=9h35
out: 6h05
